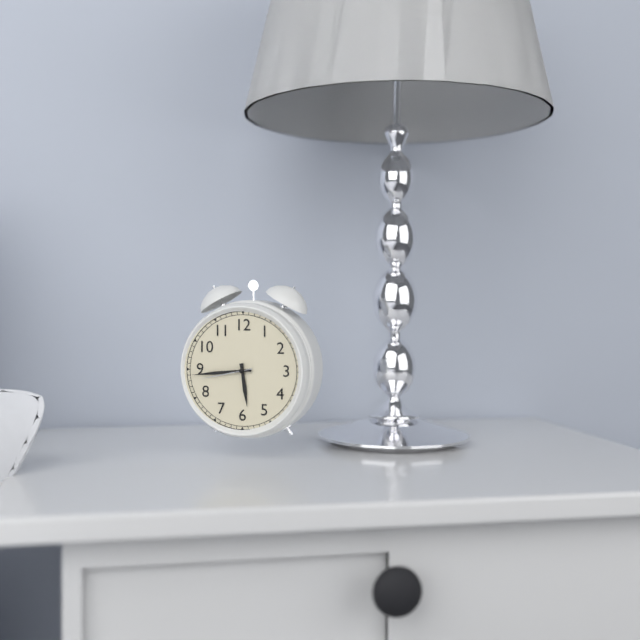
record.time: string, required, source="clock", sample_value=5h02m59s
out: 5h44m43s
